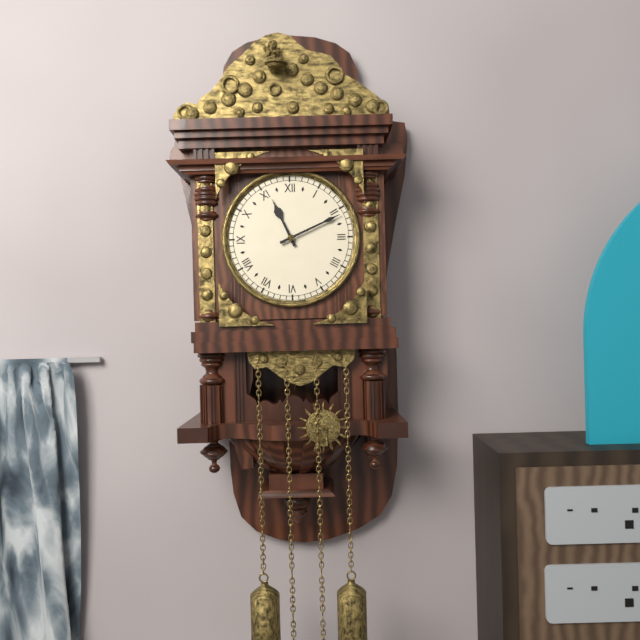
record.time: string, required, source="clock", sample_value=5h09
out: 11h11
